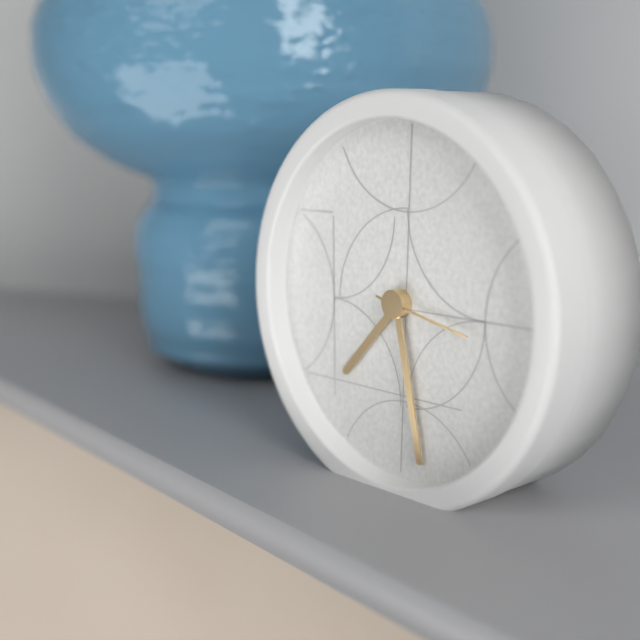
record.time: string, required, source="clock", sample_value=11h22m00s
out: 7h28m17s
